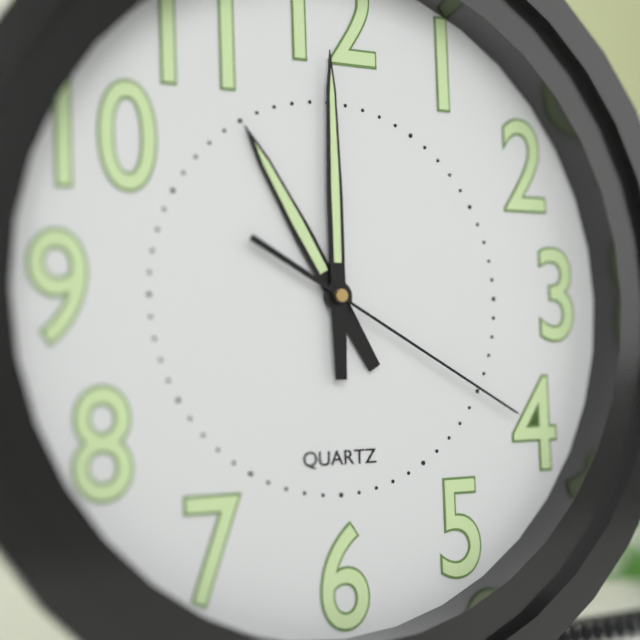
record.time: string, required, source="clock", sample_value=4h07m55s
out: 11h00m20s
